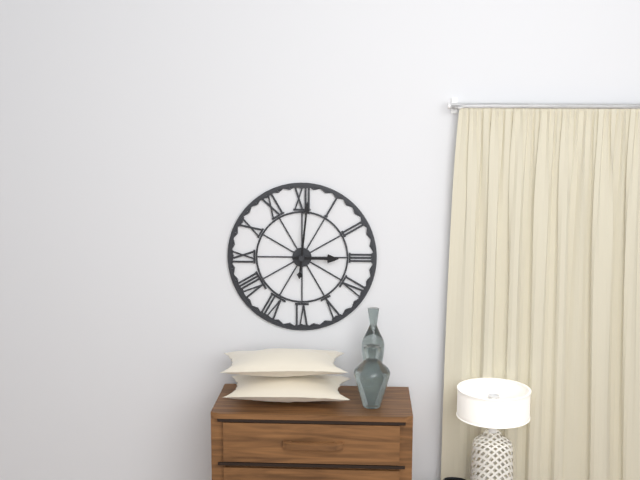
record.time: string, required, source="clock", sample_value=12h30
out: 3h01
